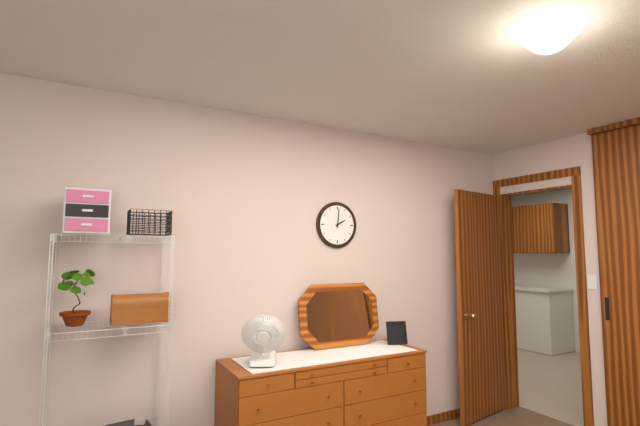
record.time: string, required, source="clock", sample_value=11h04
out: 2h01
